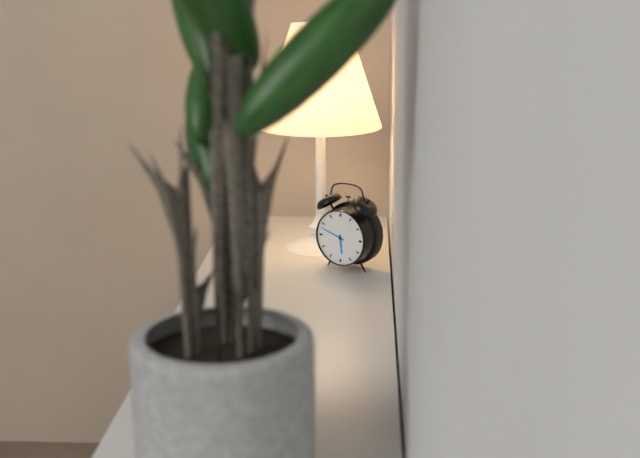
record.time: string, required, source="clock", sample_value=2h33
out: 5h48
